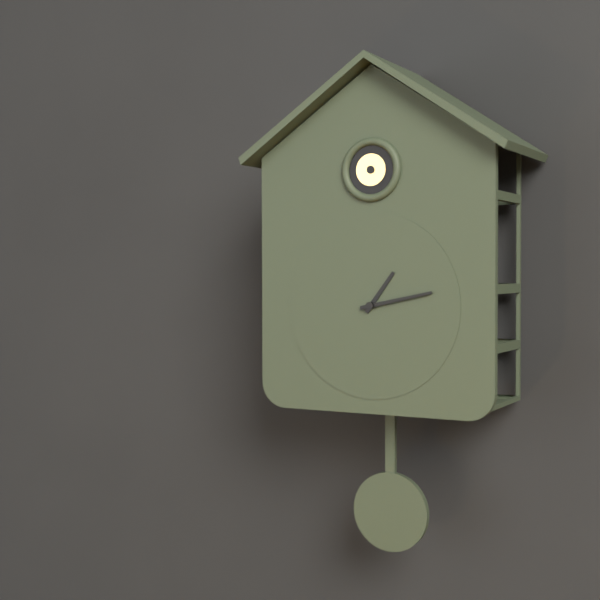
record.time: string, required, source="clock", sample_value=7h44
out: 1h13
